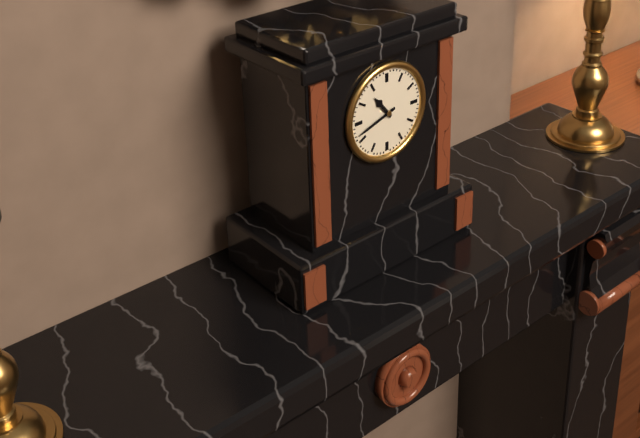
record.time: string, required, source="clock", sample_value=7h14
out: 10h42
